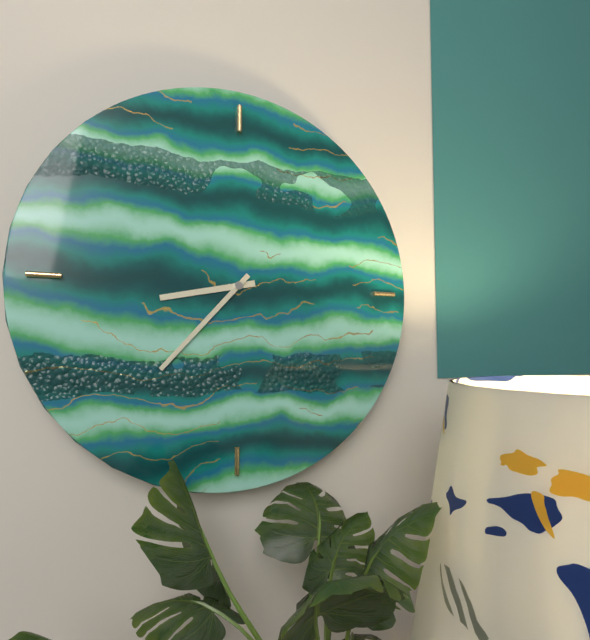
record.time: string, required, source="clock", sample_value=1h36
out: 8h37
